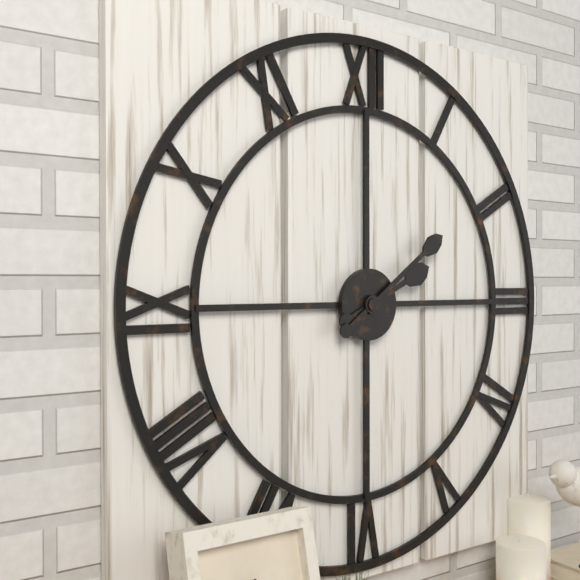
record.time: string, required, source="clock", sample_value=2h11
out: 2h09
